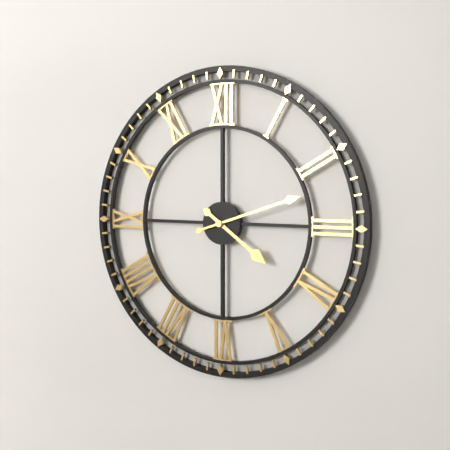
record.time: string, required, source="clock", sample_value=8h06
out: 4h12
